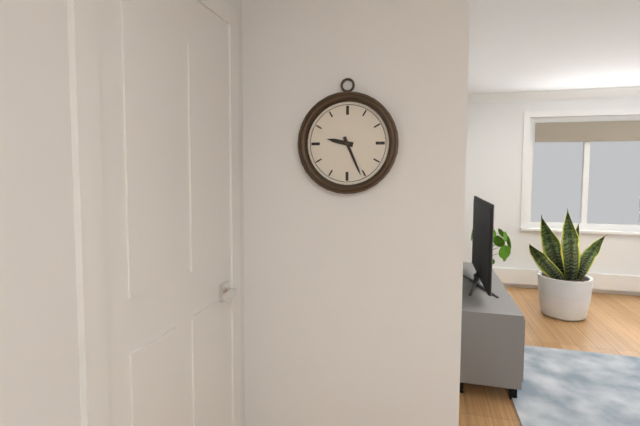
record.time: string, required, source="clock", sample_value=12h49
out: 9h26
